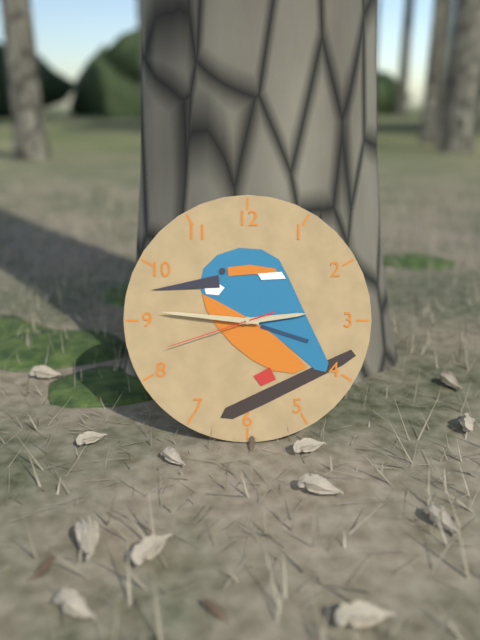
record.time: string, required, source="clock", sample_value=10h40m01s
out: 2h46m42s
